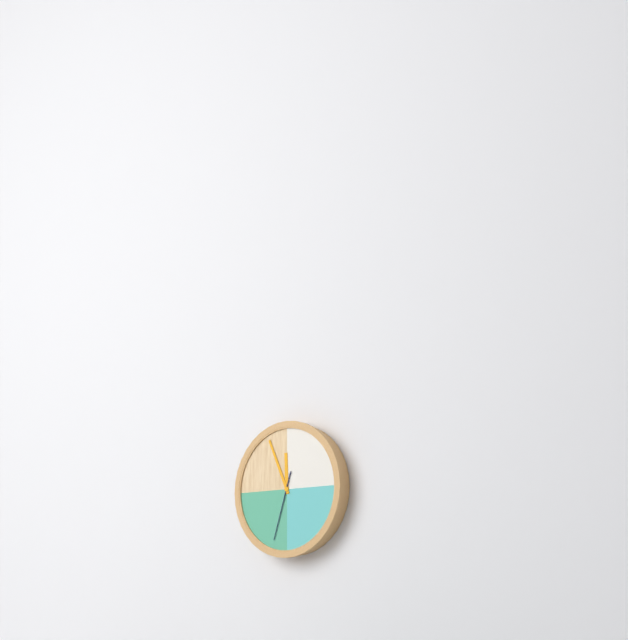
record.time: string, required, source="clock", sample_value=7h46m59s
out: 11h56m33s
